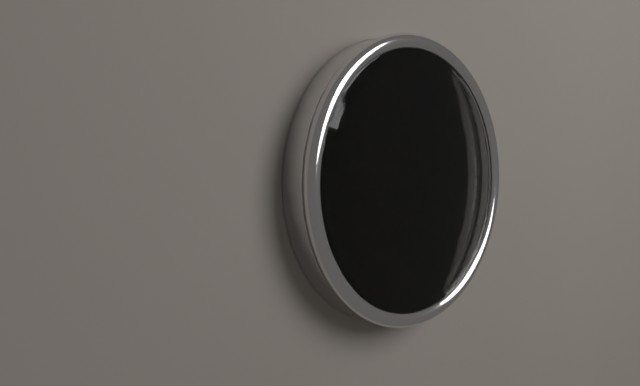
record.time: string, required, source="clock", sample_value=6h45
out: 3h30
